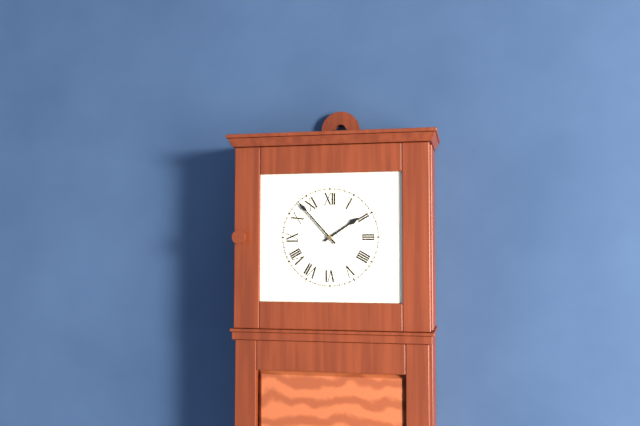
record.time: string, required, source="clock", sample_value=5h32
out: 1h53
